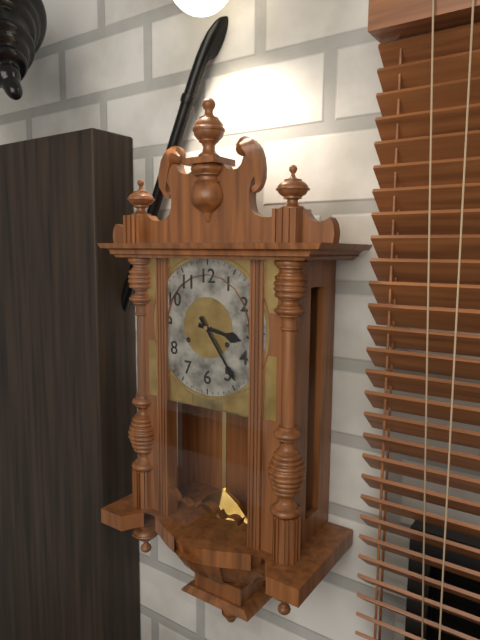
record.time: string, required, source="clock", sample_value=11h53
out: 3h24
